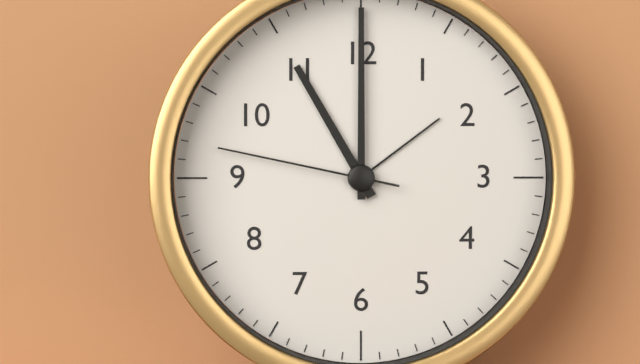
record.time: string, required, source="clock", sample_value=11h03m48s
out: 11h00m47s
